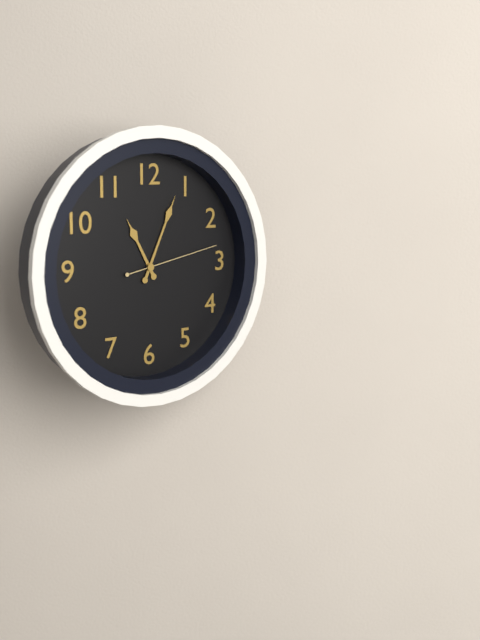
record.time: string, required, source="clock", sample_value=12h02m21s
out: 11h04m13s
